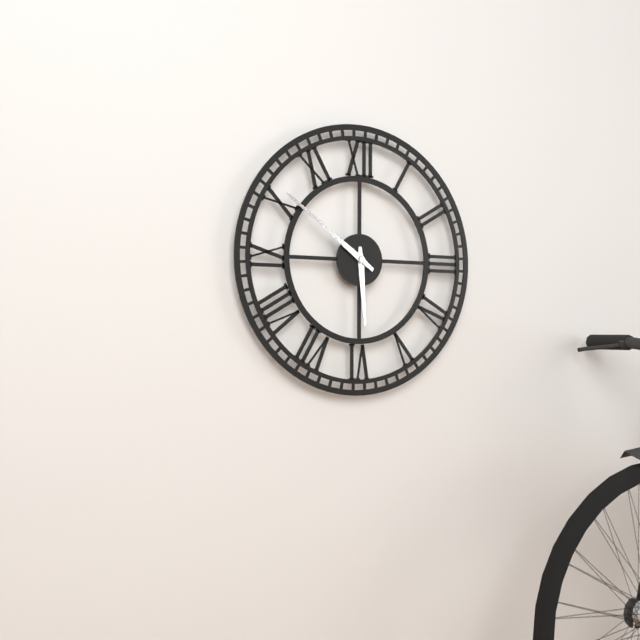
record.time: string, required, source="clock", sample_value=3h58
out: 5h51
